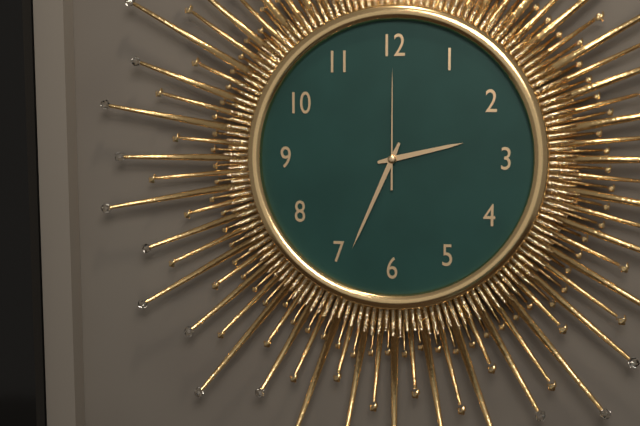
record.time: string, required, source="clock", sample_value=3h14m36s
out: 2h34m00s
